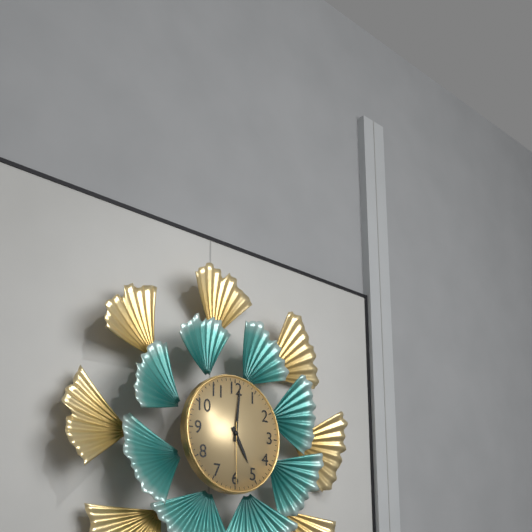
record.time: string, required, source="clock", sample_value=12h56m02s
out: 5h01m30s
